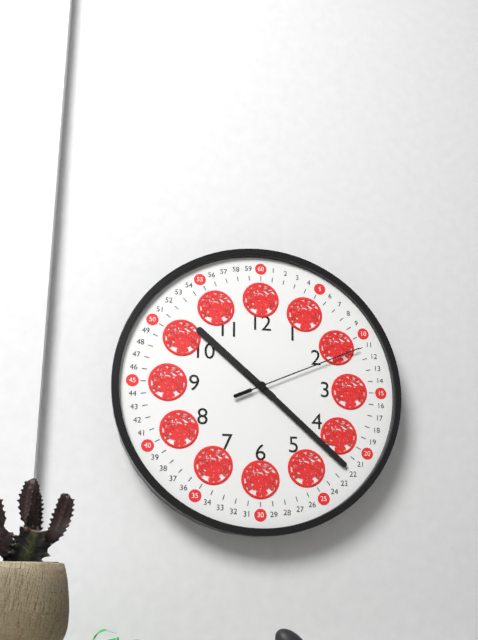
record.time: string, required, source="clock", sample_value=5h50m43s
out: 10h22m11s
